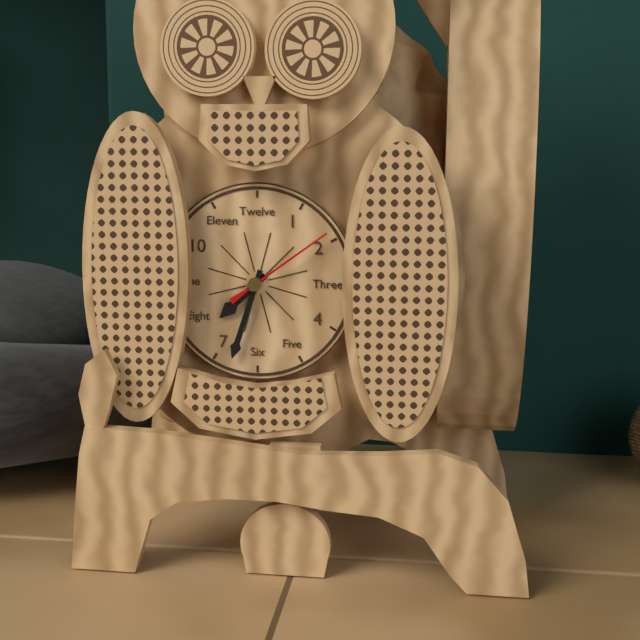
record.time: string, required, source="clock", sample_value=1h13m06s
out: 7h33m09s
